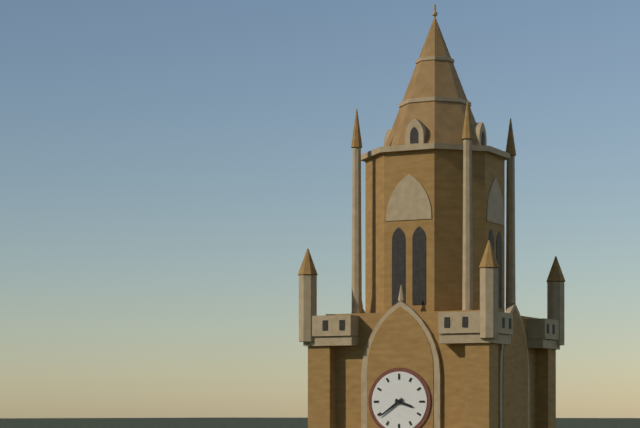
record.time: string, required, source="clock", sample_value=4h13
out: 3h39
